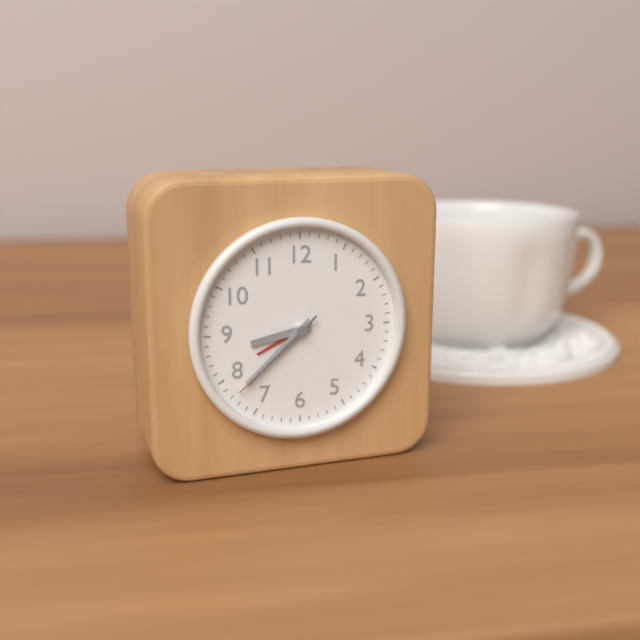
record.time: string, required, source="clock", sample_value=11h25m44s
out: 8h38m38s
